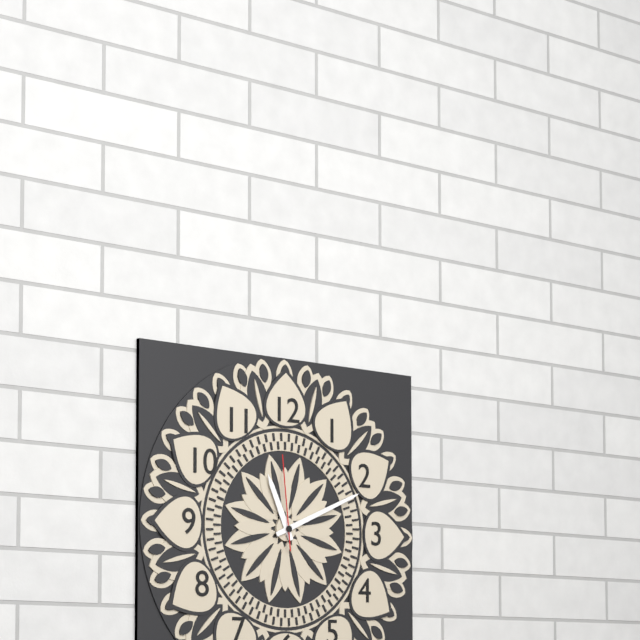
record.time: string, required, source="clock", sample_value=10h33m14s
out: 11h11m59s
